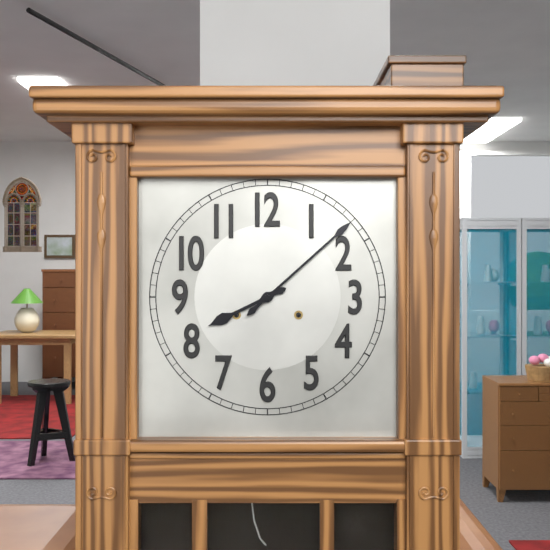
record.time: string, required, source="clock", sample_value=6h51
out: 8h08
